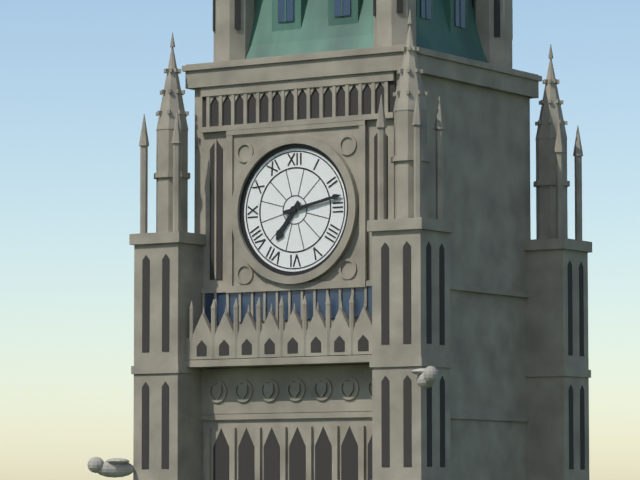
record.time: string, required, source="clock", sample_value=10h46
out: 7h13
